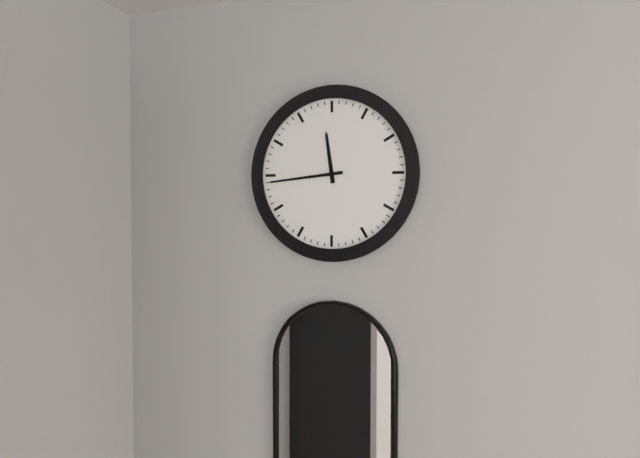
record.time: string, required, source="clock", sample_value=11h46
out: 11h44
